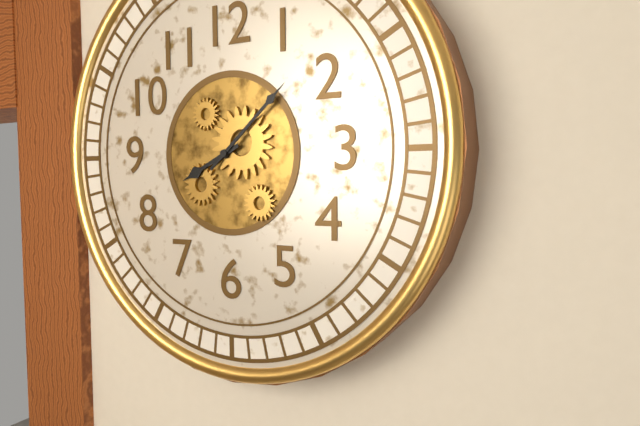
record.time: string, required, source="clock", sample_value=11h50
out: 8h08
